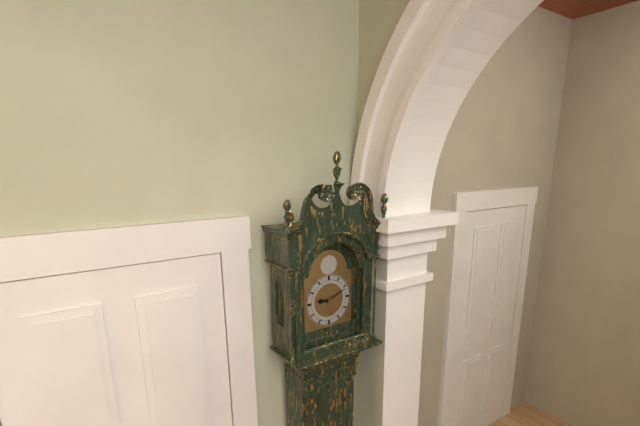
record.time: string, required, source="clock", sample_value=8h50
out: 9h11
